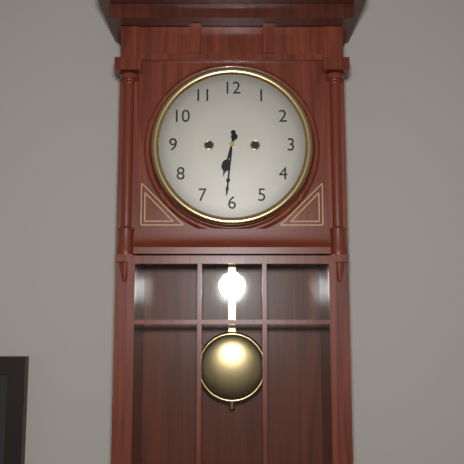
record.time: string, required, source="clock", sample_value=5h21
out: 6h31
